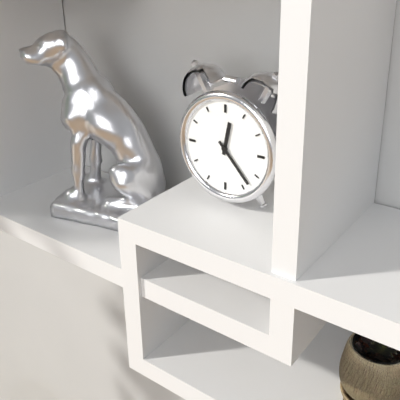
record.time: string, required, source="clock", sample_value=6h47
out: 12h23
